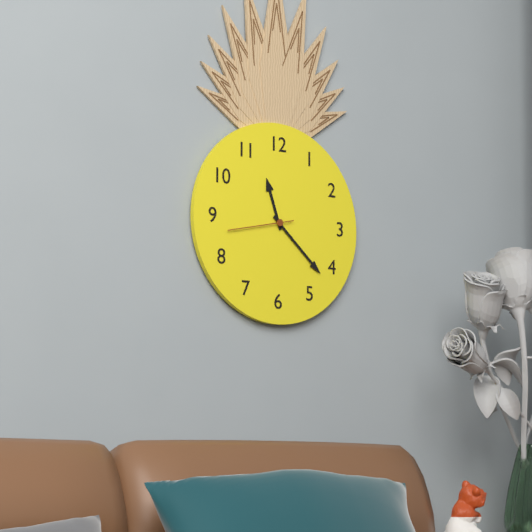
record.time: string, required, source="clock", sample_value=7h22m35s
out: 11h22m43s
